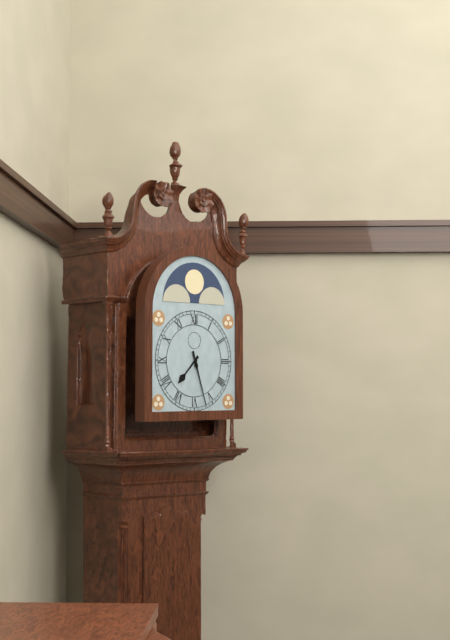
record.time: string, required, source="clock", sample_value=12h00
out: 7h27
